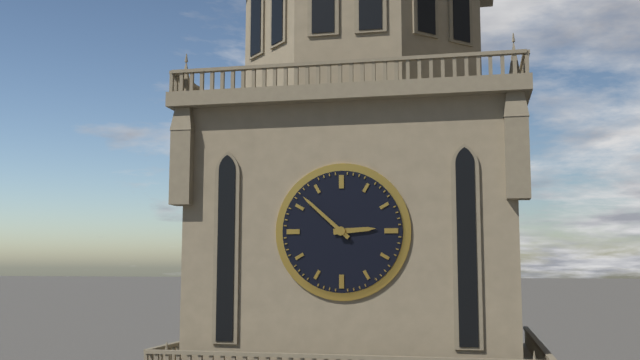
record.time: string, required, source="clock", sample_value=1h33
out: 2h52
